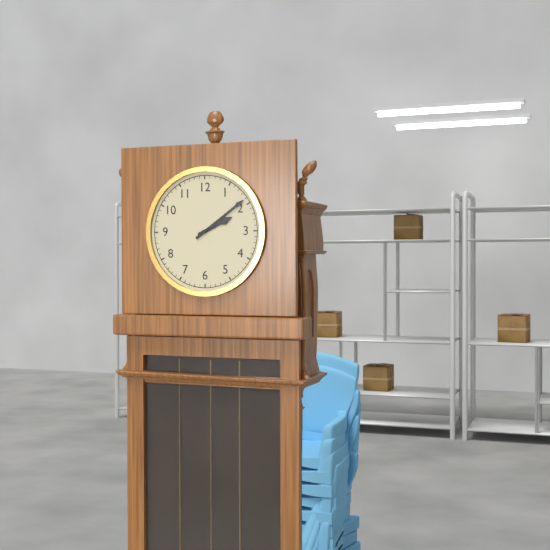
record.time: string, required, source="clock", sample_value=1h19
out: 2h09
